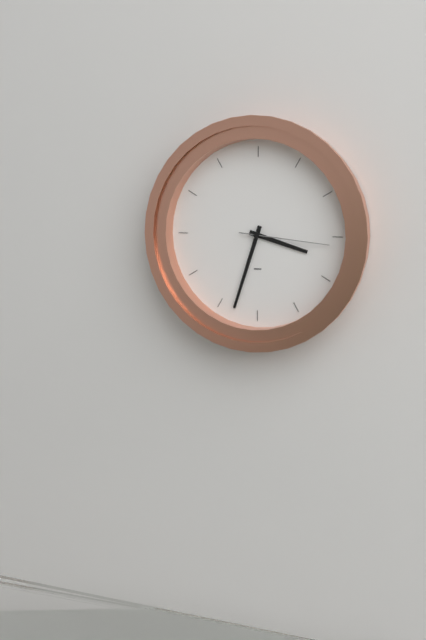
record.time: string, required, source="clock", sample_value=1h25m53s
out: 3h33m16s
